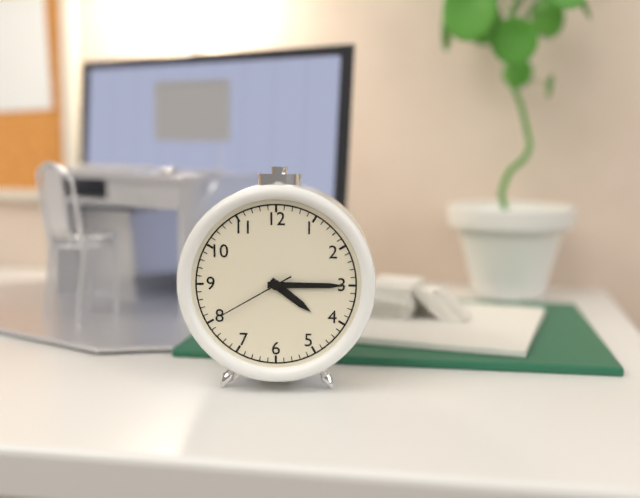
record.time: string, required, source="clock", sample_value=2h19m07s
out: 4h15m40s
